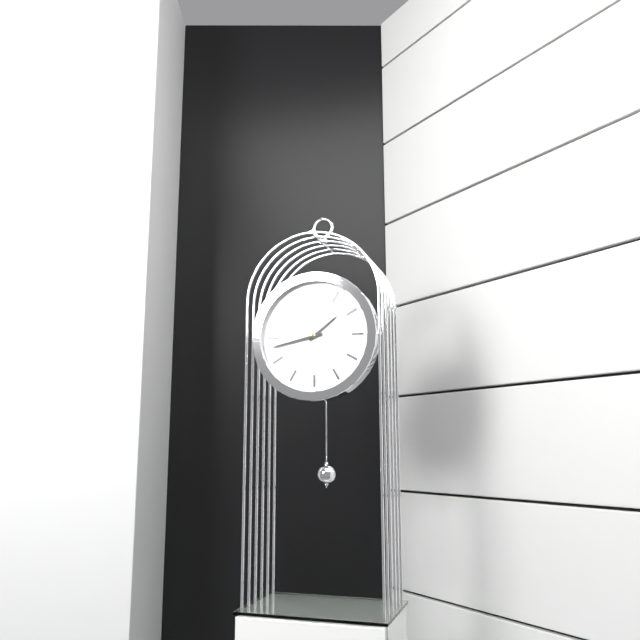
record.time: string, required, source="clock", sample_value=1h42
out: 1h43
